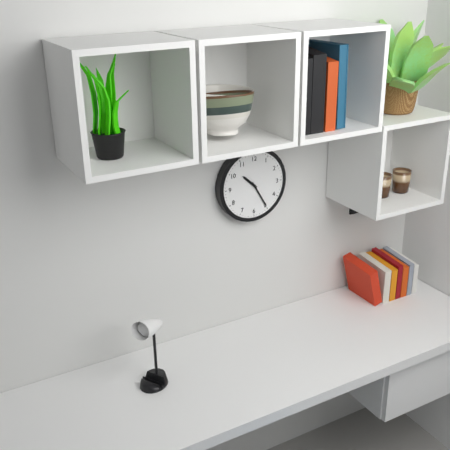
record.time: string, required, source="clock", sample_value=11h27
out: 10h25
